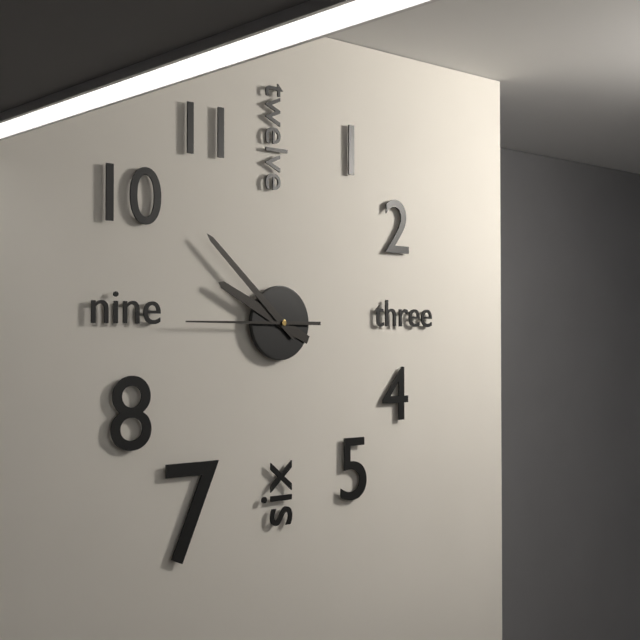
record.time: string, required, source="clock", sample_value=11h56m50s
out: 9h52m45s
